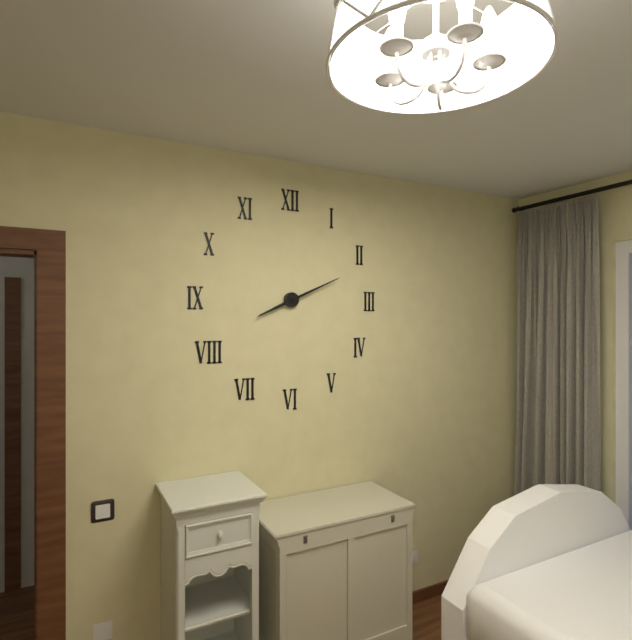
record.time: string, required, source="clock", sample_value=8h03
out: 8h11
